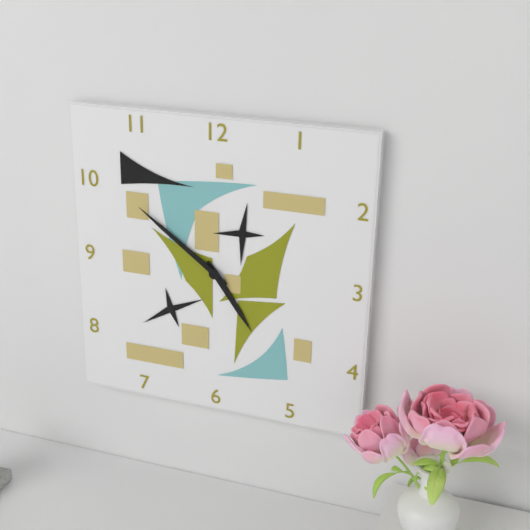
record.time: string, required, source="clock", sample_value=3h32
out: 4h51
